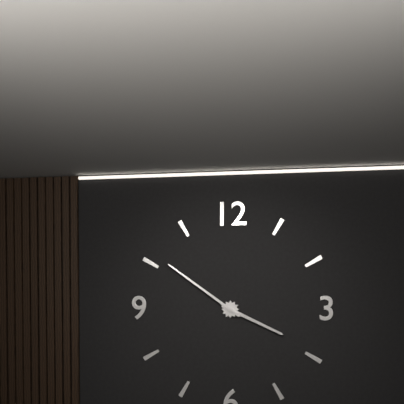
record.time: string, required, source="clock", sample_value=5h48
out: 3h51
